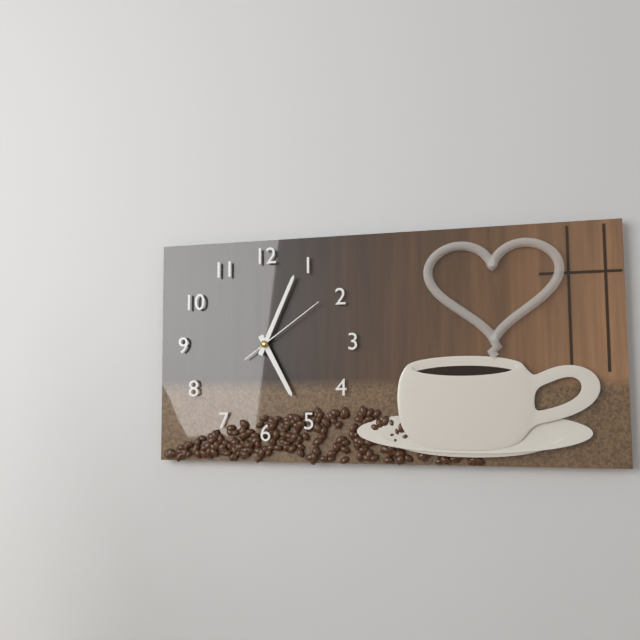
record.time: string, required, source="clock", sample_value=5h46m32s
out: 5h04m09s
